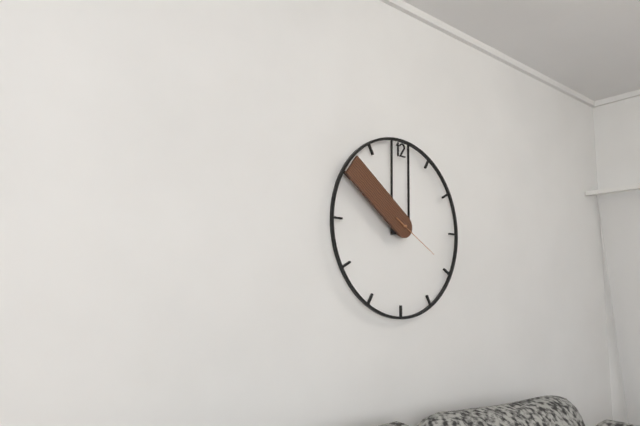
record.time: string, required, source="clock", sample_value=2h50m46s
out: 9h51m20s
